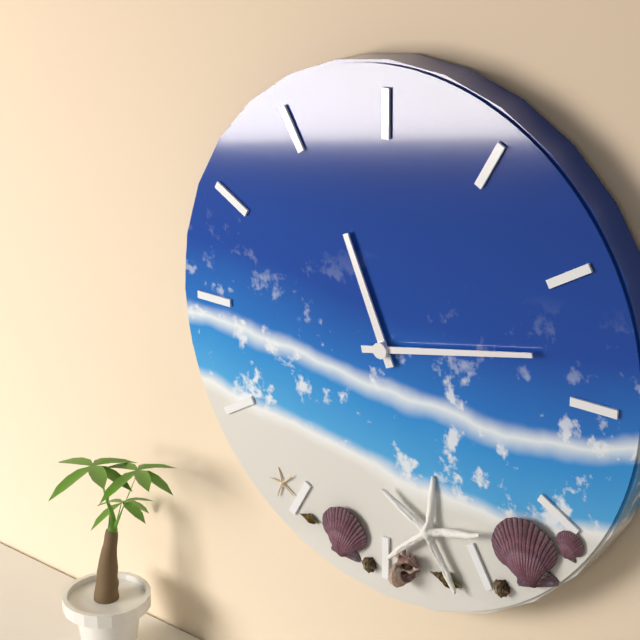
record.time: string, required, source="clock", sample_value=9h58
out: 11h13
